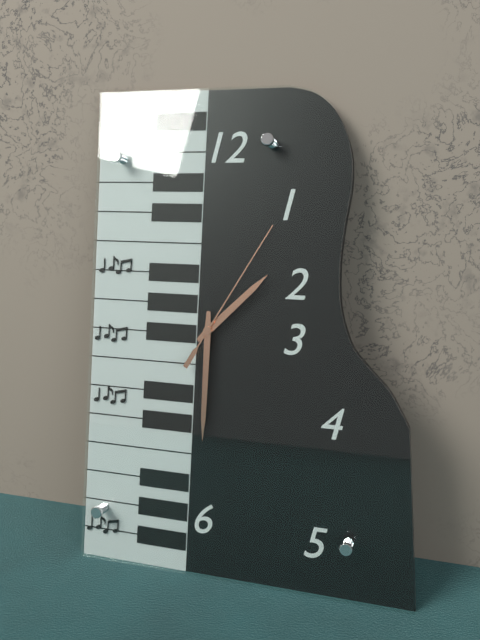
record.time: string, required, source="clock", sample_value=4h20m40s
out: 1h30m05s
